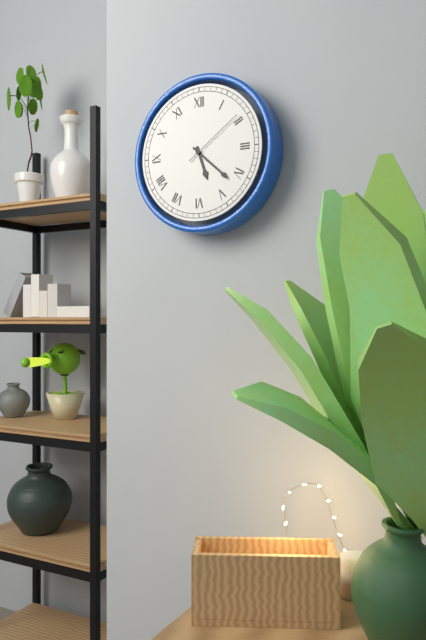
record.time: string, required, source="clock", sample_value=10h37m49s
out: 5h22m09s
